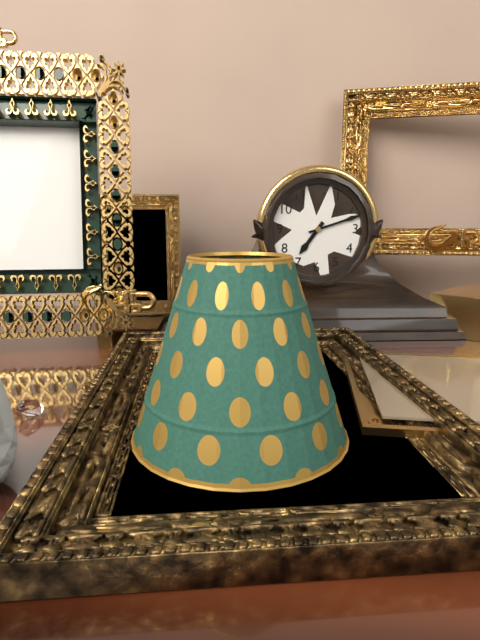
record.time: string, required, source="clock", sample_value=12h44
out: 7h12
